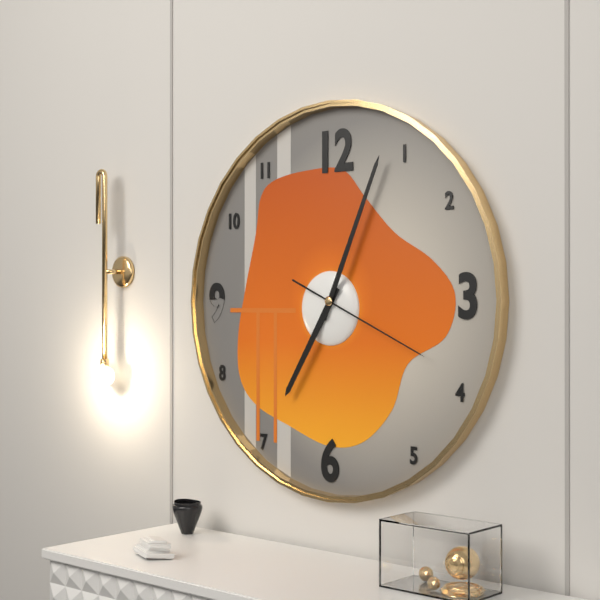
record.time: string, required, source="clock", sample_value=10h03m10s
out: 7h04m19s
